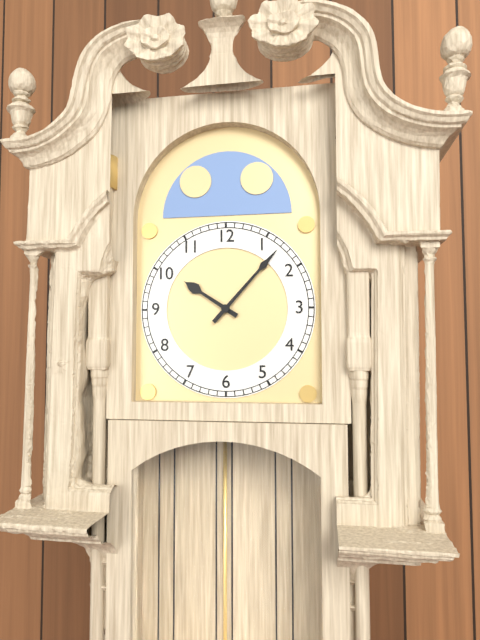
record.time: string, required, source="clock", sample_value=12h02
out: 10h07
